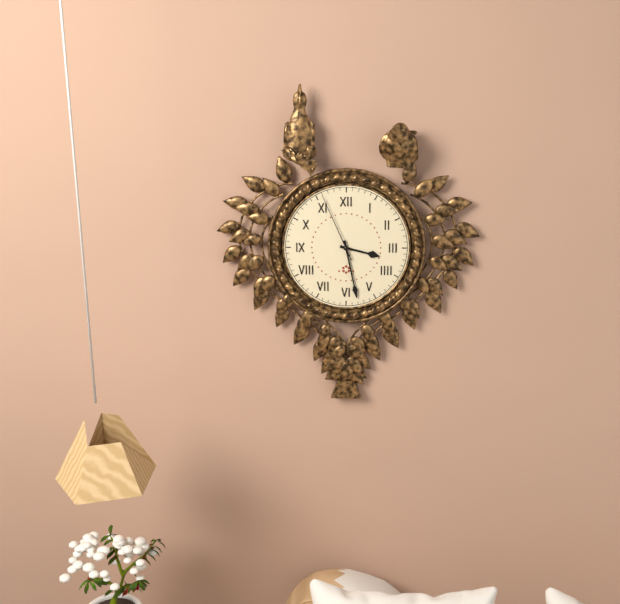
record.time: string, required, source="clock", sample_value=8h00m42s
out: 3h28m56s
